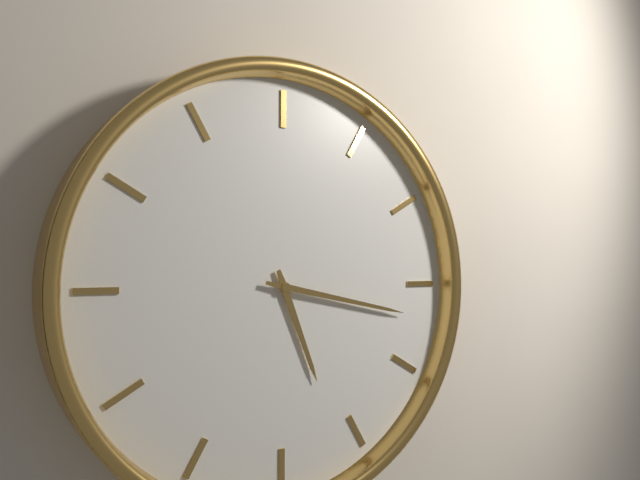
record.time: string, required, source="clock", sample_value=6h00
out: 5h17
